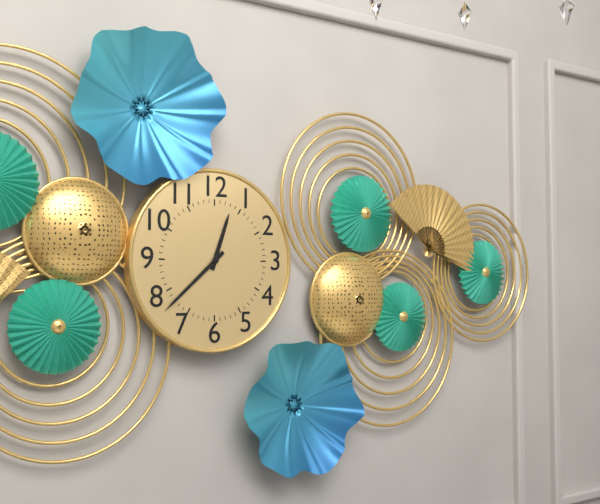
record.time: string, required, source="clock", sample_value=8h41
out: 12h38
